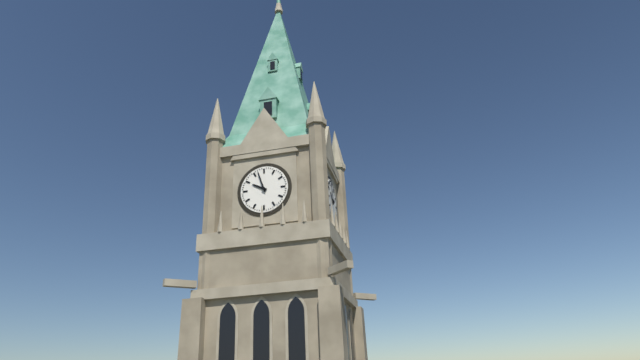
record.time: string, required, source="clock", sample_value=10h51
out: 9h57
